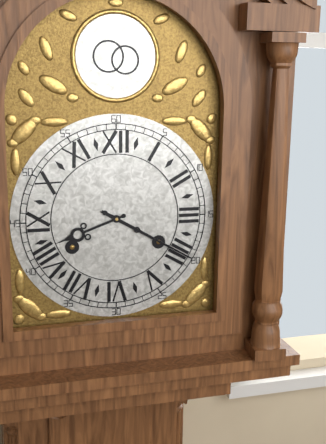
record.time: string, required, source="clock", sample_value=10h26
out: 8h20
